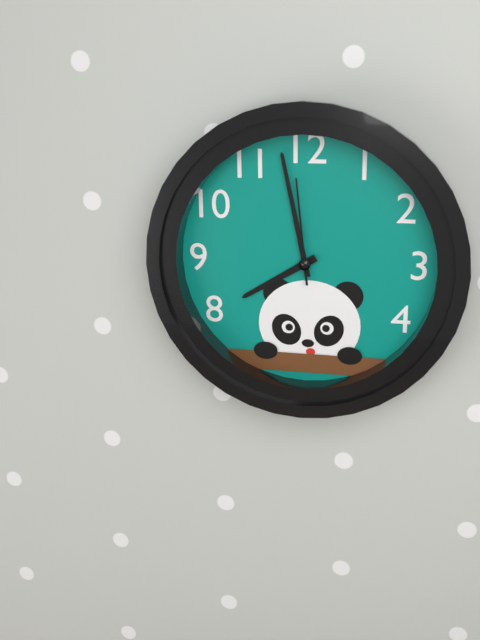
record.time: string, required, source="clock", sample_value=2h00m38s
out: 7h58m59s
